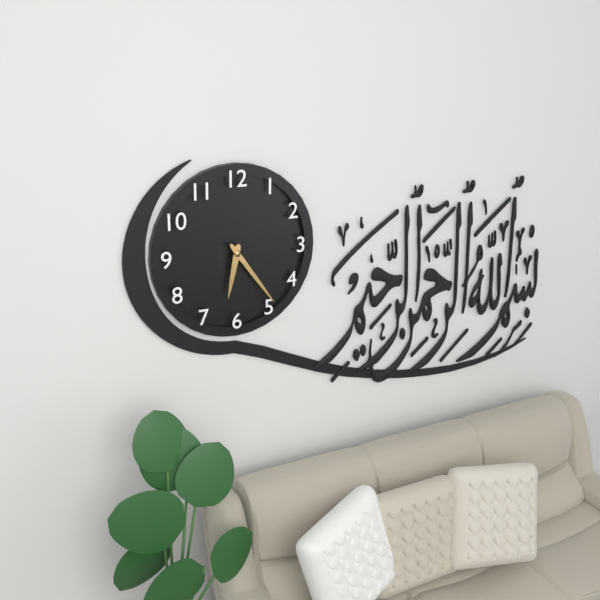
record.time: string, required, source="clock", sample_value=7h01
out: 6h24
